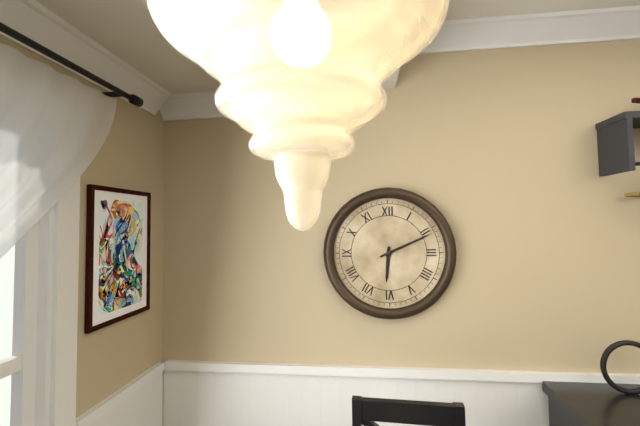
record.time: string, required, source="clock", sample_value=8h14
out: 6h11
